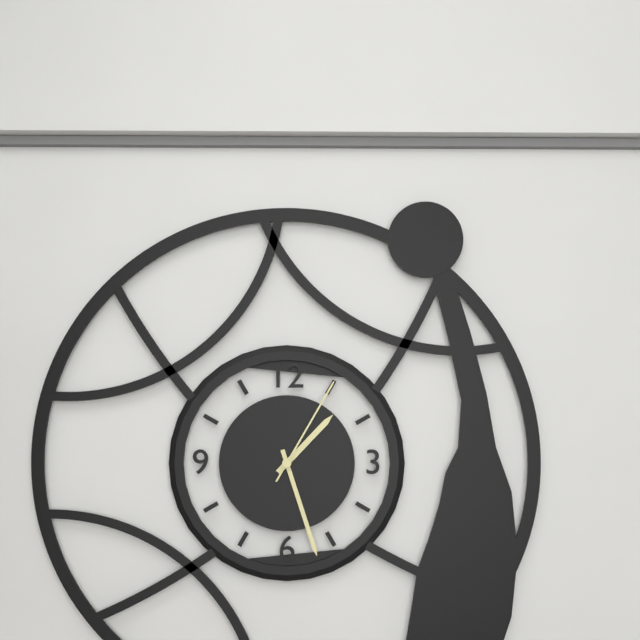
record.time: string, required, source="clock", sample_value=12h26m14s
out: 1h27m05s
